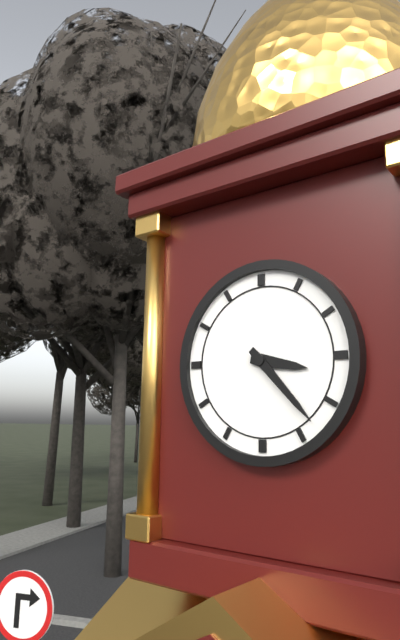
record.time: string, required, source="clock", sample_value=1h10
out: 3h23
